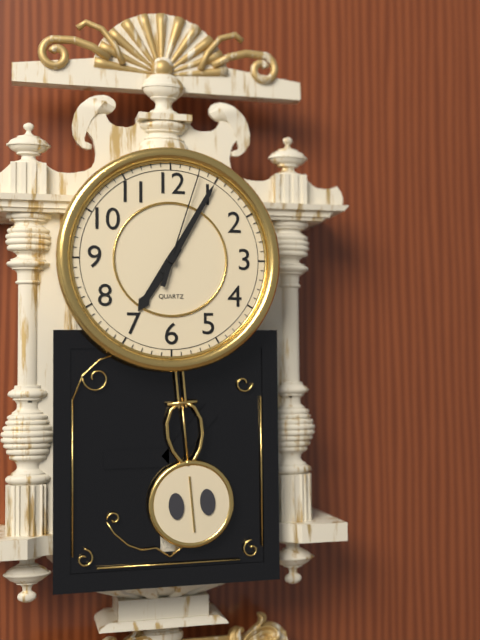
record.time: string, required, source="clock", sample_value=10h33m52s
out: 7h05m03s
